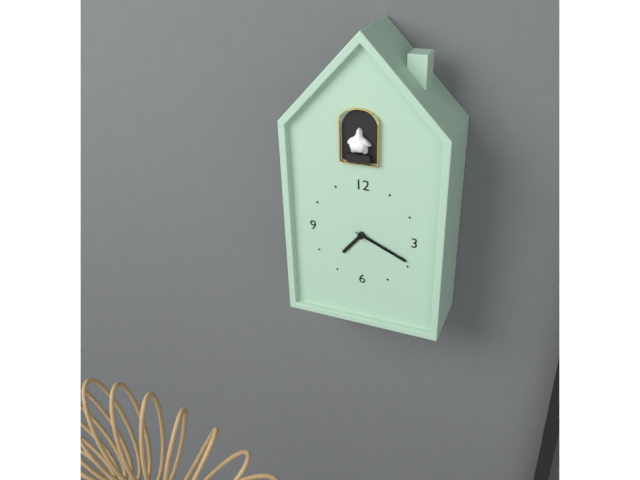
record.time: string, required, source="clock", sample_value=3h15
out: 7h19
